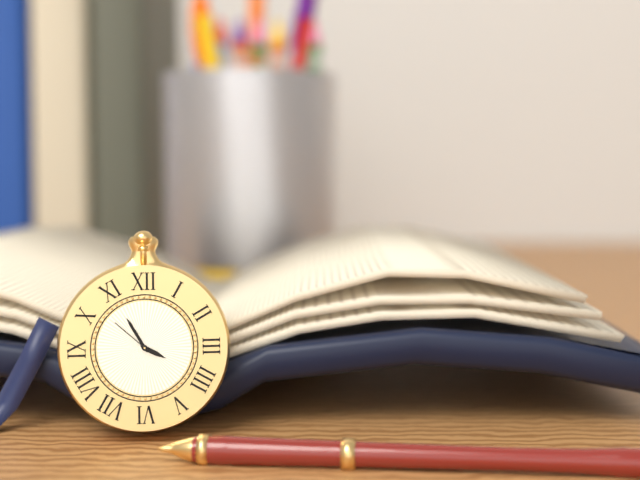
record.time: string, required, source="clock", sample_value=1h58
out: 3h55
